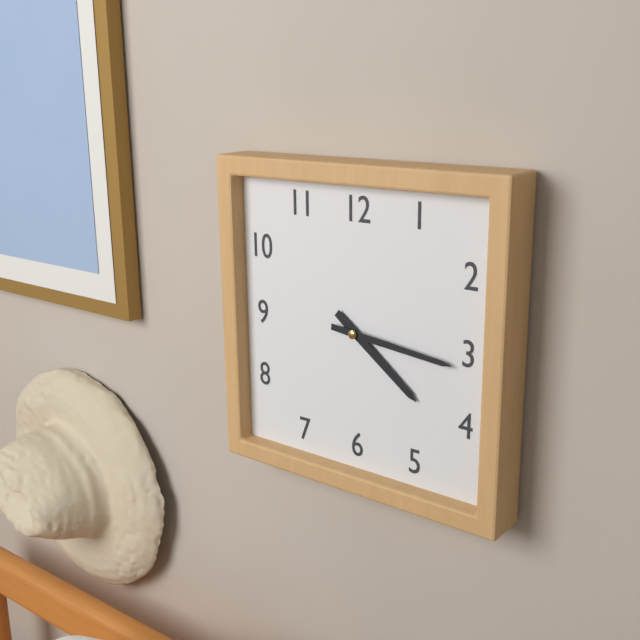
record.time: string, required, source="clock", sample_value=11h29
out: 4h16
